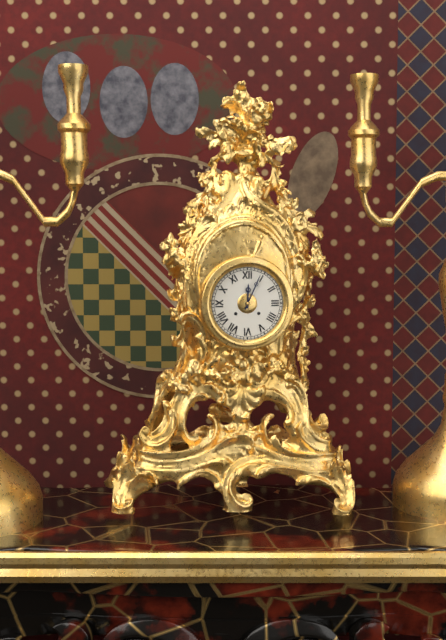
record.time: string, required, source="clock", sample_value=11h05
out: 12h04
